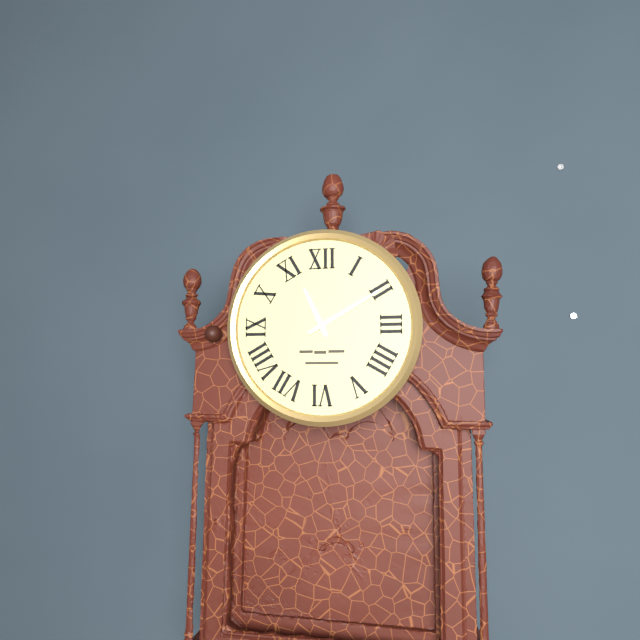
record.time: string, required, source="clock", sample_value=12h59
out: 11h10
